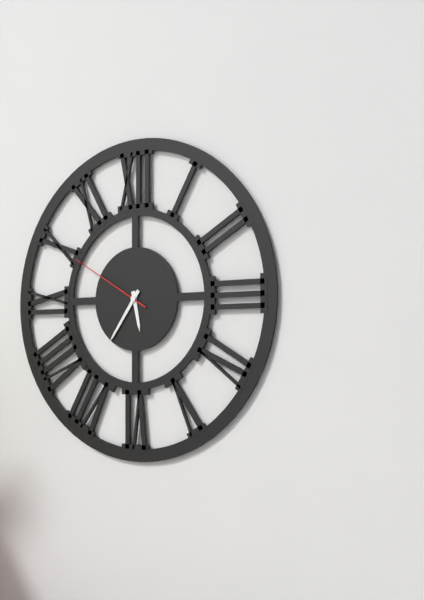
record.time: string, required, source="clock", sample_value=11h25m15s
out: 5h36m50s
